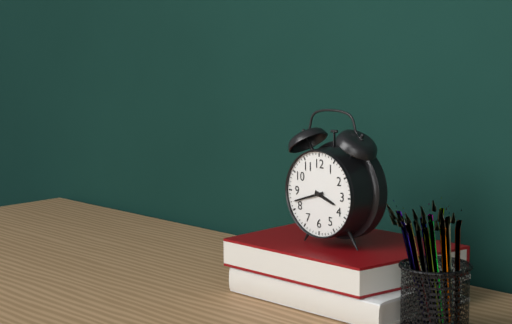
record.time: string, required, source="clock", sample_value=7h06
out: 3h42
